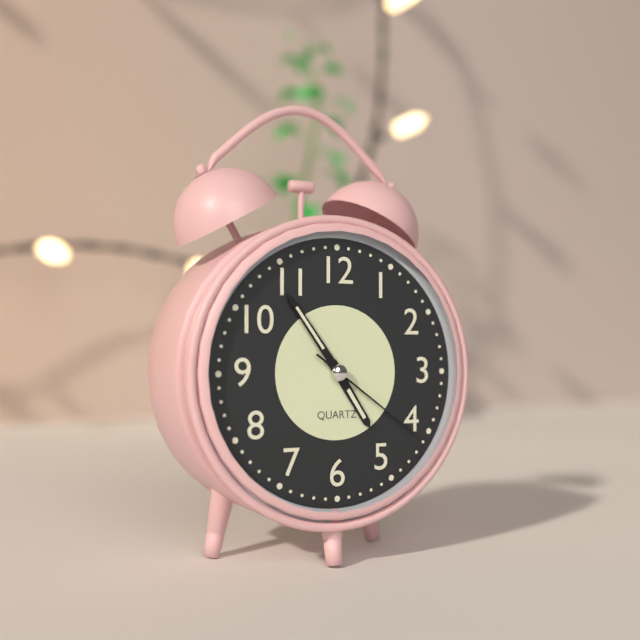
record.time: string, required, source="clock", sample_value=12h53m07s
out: 4h54m21s
